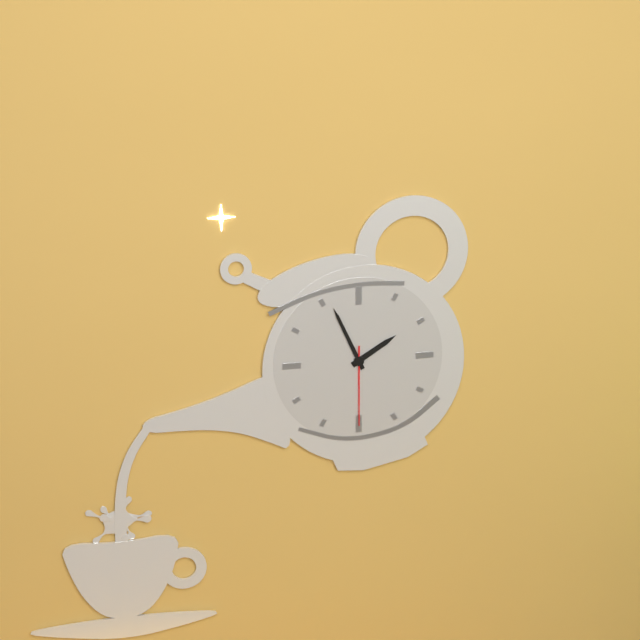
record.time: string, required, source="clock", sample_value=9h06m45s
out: 1h56m30s
